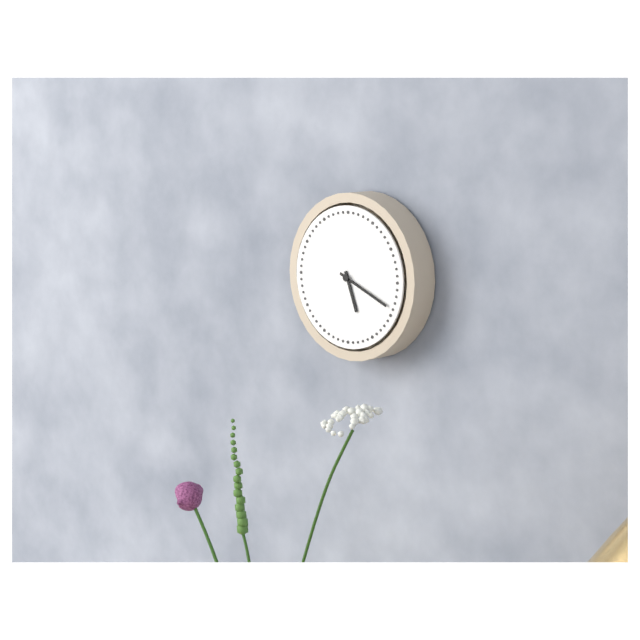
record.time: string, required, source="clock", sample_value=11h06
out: 5h19
